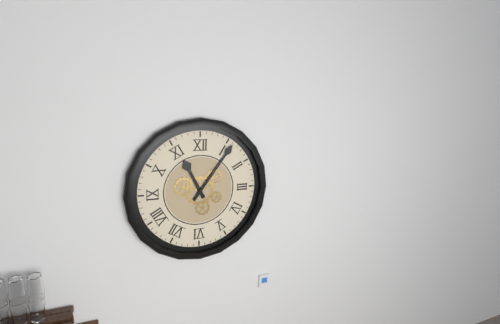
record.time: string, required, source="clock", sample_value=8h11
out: 11h06
